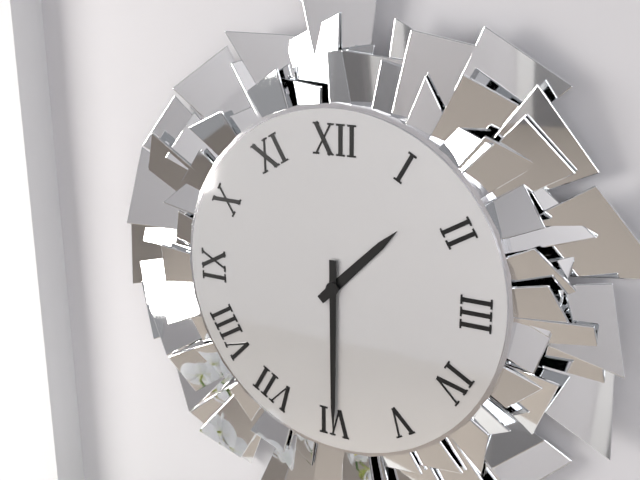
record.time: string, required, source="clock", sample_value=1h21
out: 1h30
